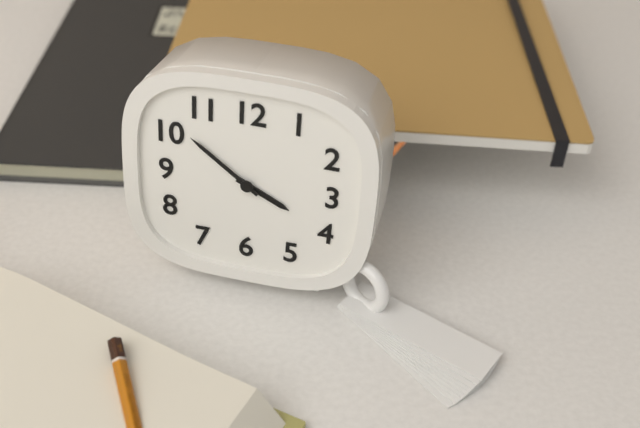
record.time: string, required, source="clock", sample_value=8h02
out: 3h51
